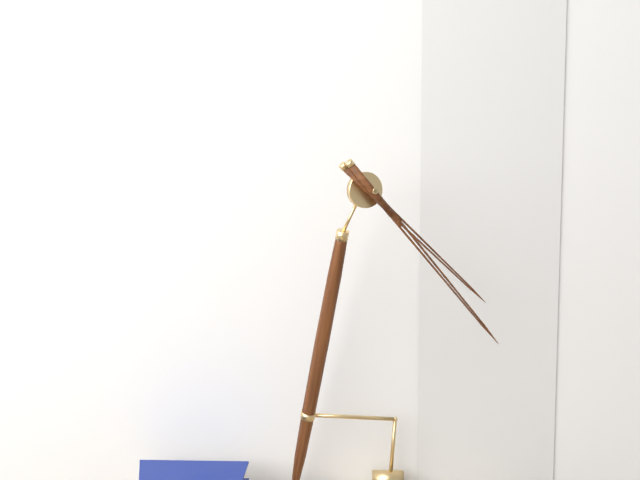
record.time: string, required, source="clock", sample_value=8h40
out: 4h23
